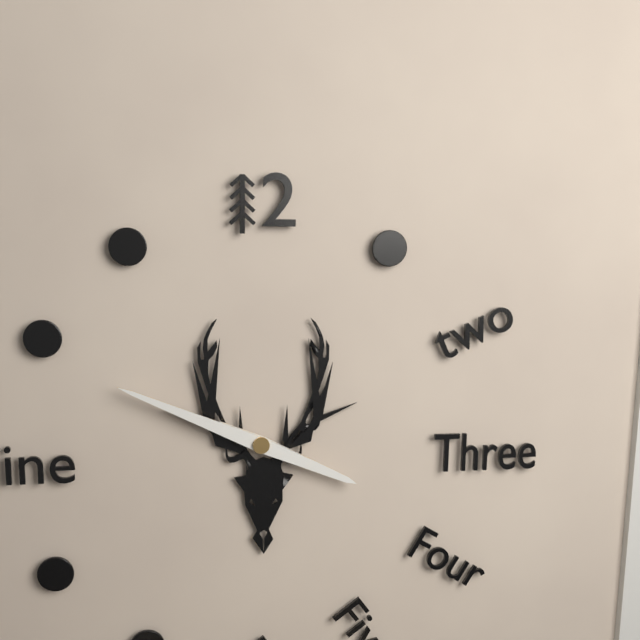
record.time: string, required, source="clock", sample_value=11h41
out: 3h49
